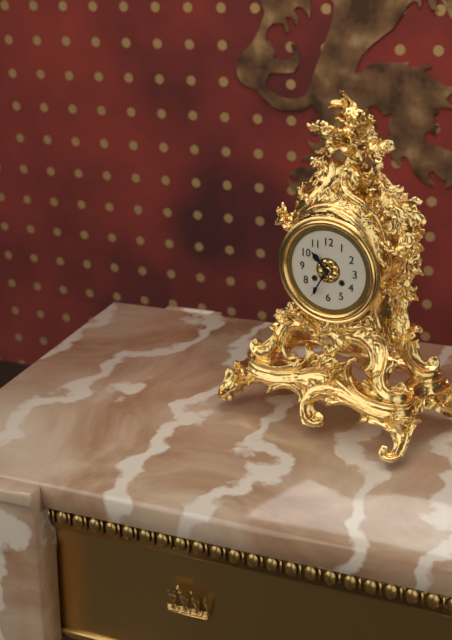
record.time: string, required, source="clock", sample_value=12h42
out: 10h35
